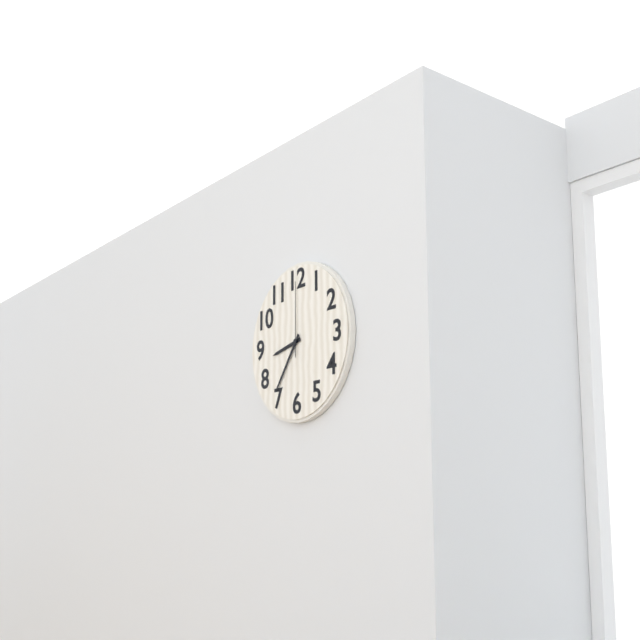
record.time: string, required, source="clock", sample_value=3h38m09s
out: 8h36m00s
